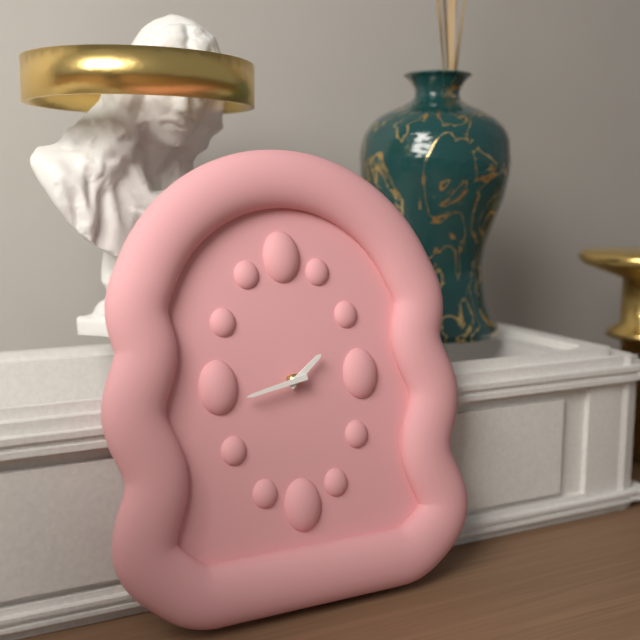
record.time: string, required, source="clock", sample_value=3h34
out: 1h43
